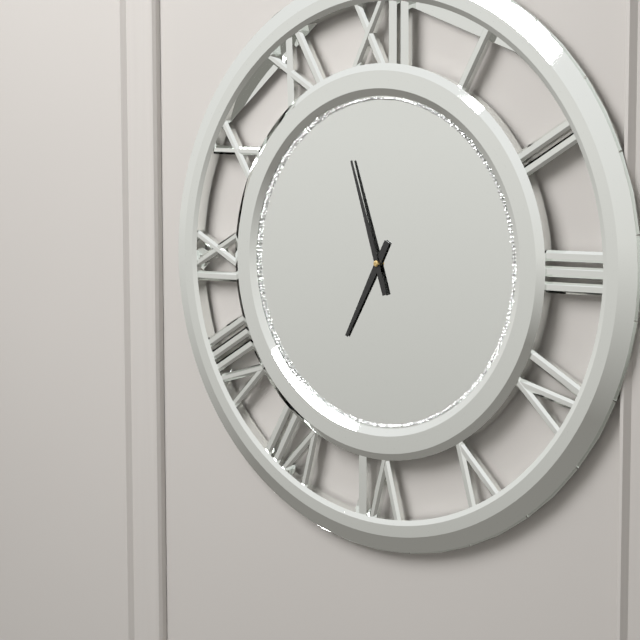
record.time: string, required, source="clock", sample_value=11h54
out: 6h57
